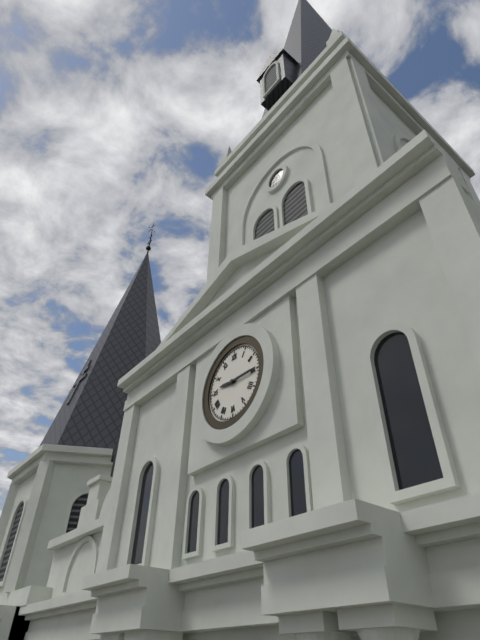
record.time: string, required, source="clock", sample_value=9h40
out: 9h15
